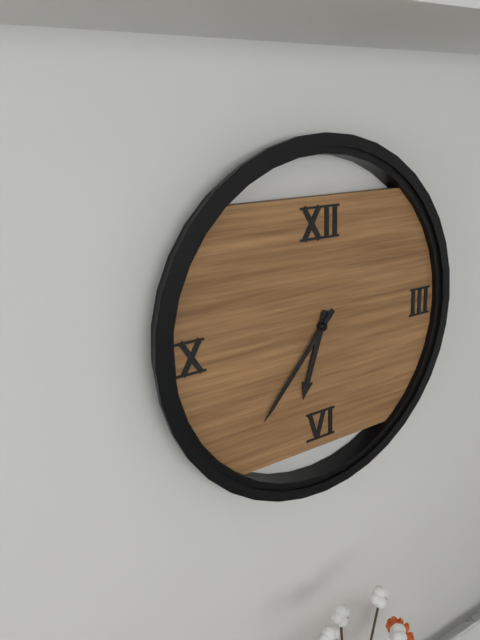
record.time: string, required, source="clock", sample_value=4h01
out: 6h37
